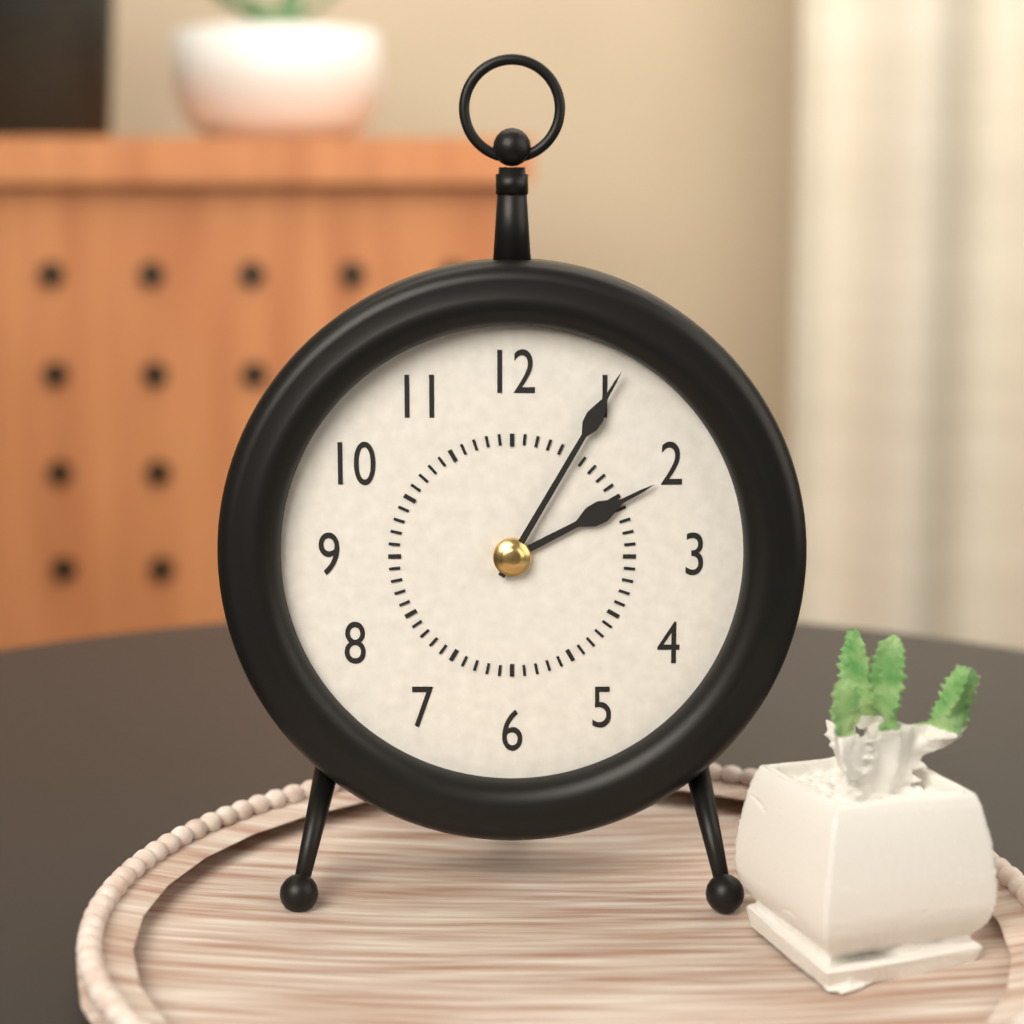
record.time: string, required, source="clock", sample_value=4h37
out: 2h05
